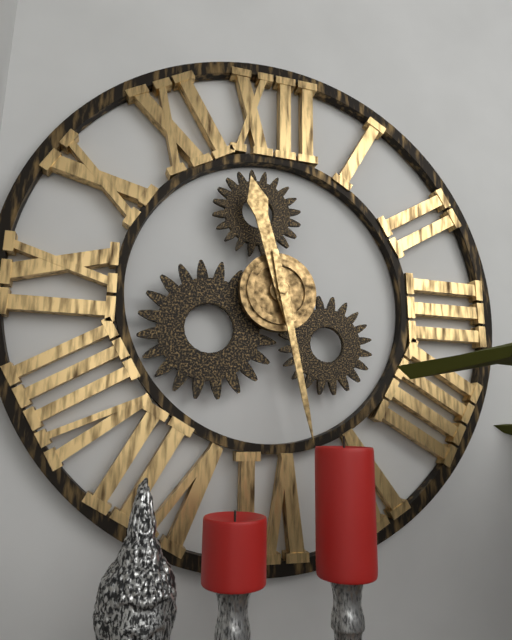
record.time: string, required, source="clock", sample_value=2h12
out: 11h28
